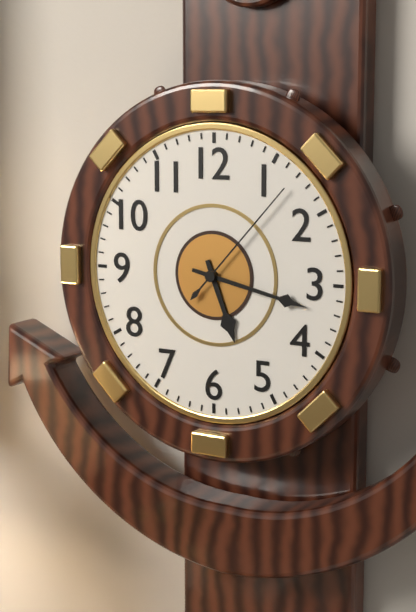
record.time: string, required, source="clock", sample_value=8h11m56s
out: 5h17m07s
